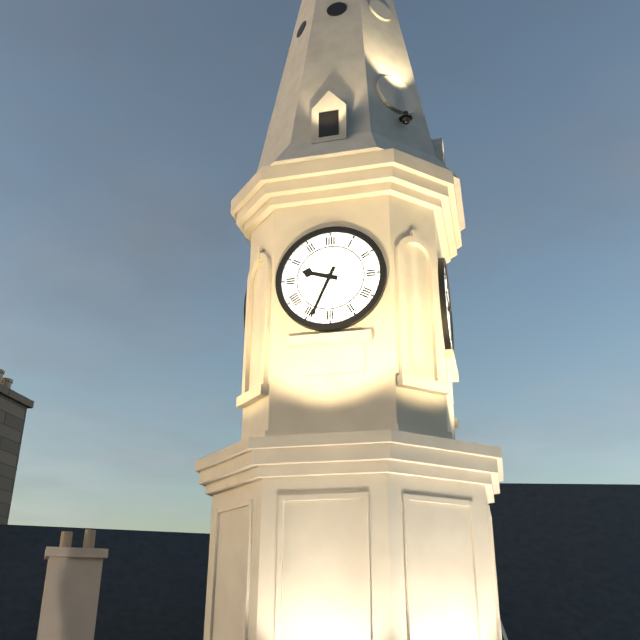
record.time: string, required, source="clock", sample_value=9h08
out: 9h34
